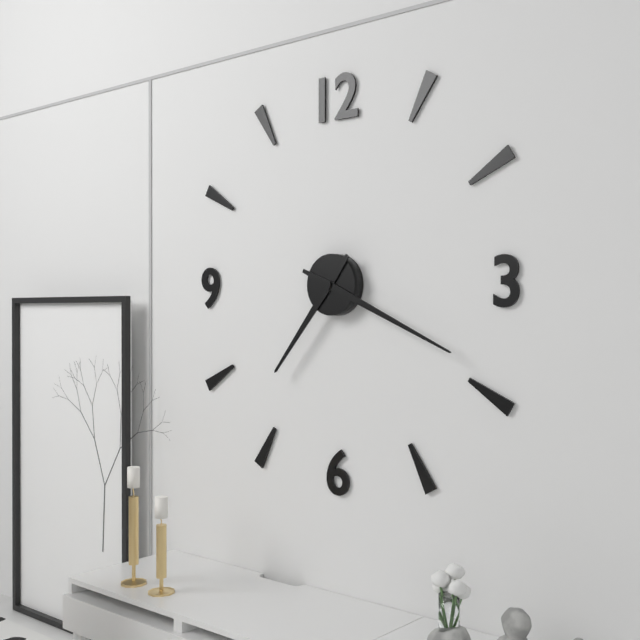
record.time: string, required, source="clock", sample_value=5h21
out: 7h19
